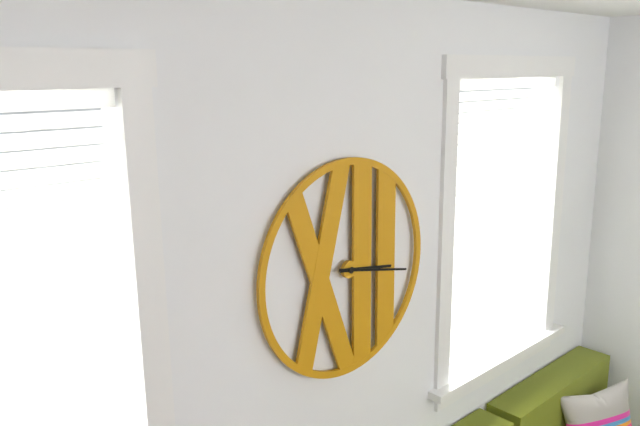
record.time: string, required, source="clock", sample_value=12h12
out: 3h17
